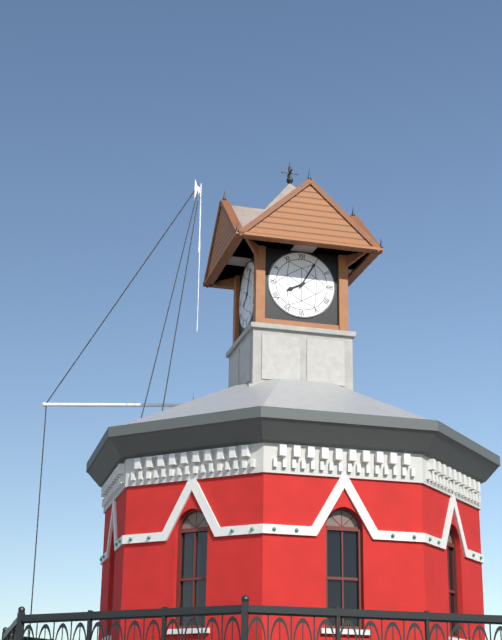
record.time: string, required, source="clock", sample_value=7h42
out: 8h05
